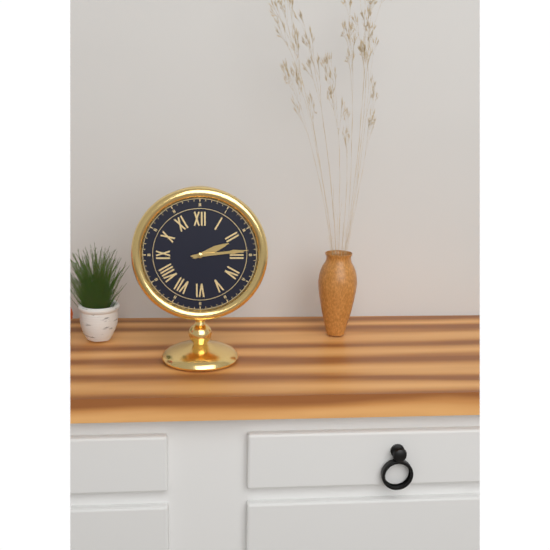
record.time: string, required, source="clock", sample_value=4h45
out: 2h14
